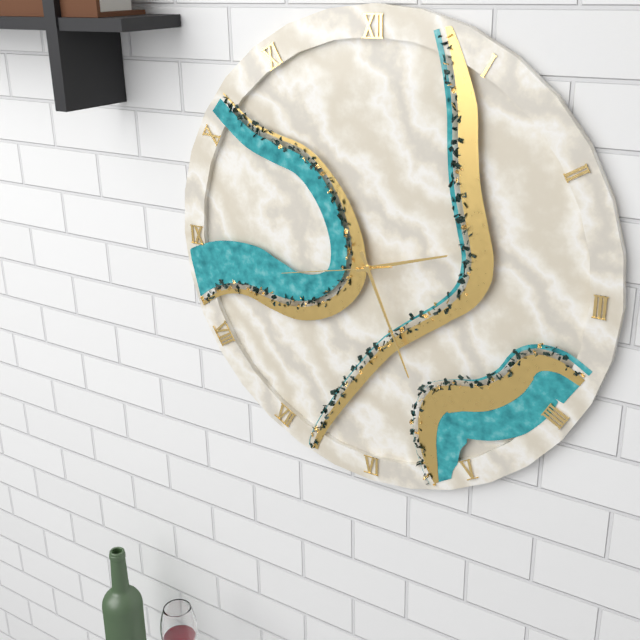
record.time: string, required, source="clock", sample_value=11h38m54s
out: 2h26m43s
